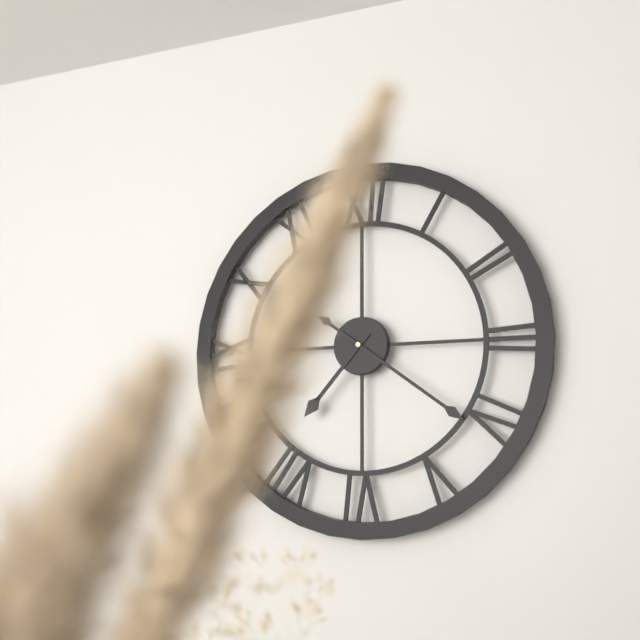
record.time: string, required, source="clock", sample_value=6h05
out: 7h21
